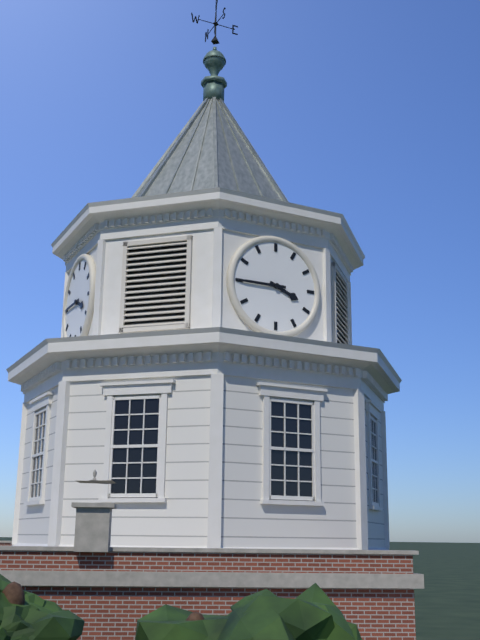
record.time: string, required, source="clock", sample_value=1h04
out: 3h45
